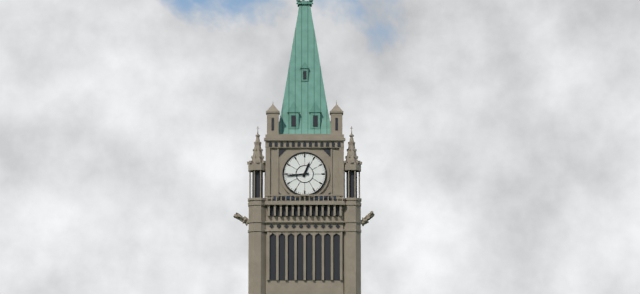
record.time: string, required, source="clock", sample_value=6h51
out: 12h44
